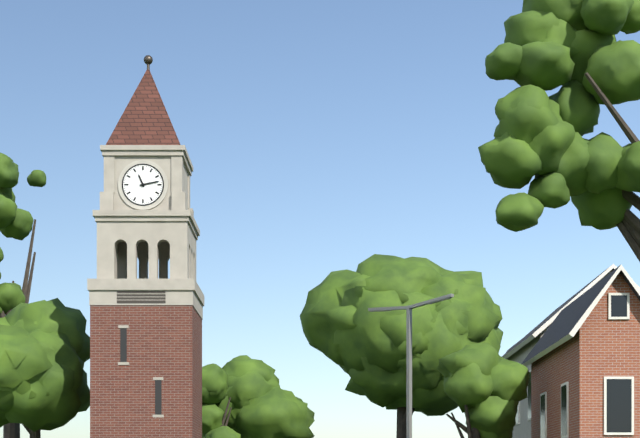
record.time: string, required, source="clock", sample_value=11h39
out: 11h13
